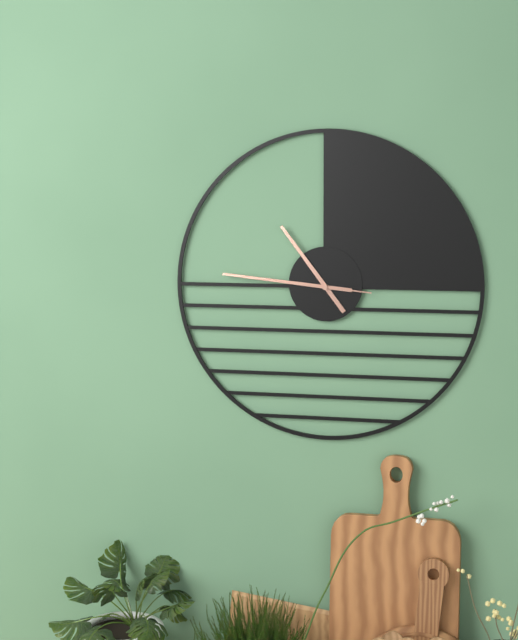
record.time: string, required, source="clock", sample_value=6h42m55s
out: 10h46m46s
